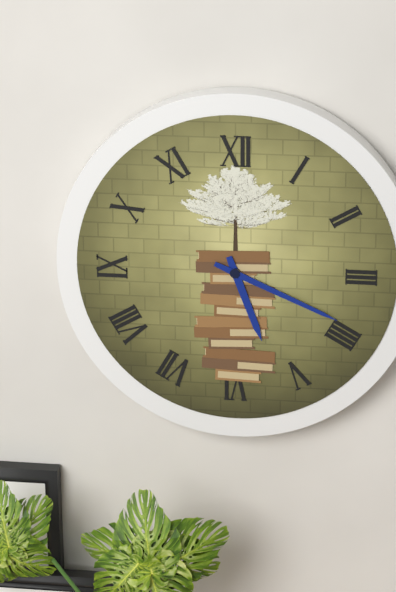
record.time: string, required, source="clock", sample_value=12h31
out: 5h19
